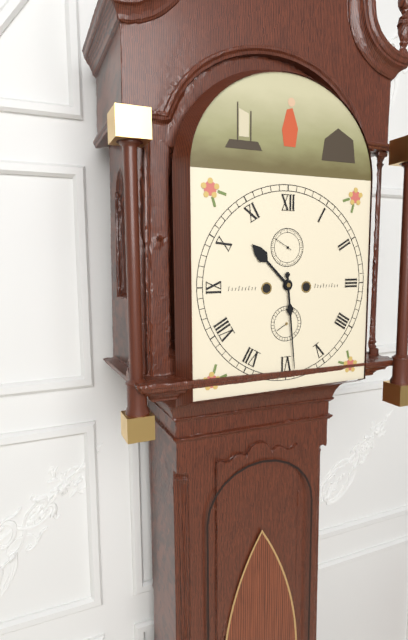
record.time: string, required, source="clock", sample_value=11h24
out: 10h29
